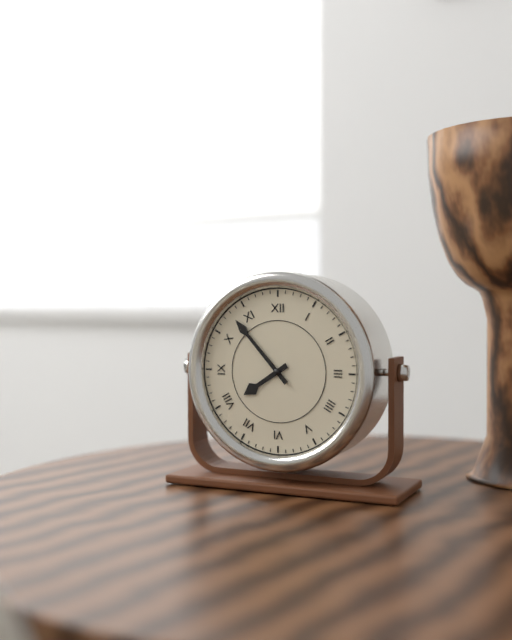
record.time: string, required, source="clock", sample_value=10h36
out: 7h53
